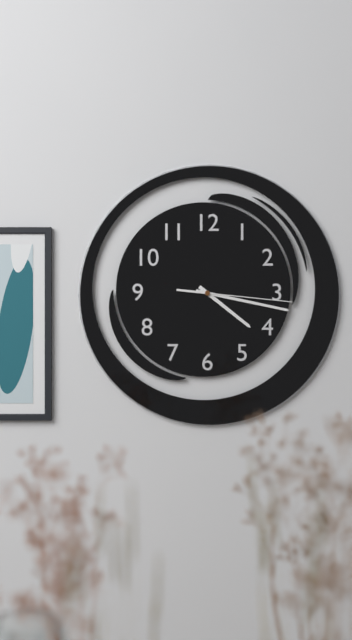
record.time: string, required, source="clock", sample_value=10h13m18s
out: 4h17m16s
